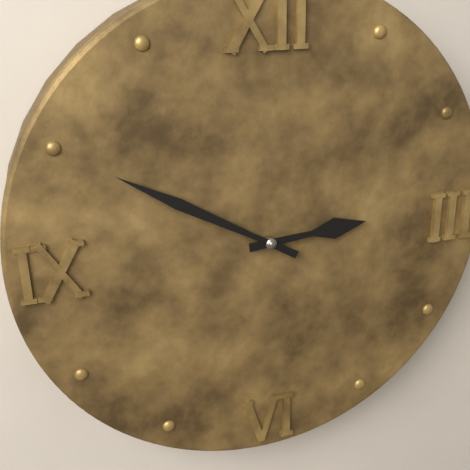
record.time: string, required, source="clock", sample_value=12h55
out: 2h50
